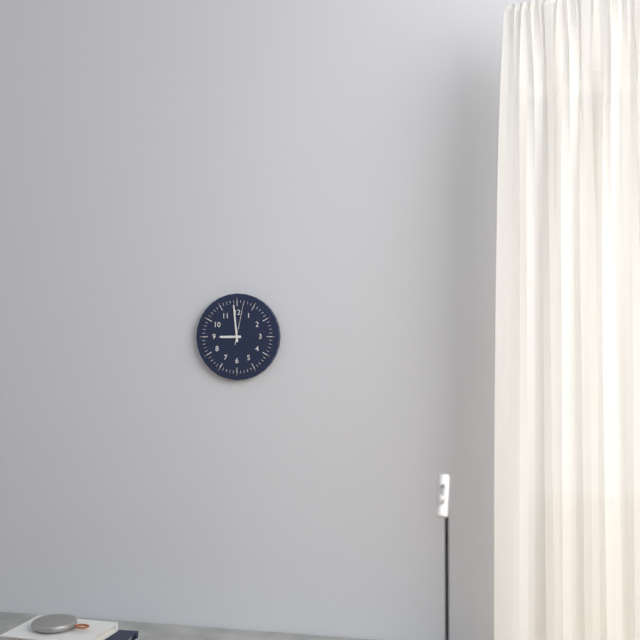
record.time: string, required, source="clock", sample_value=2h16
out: 8h59
